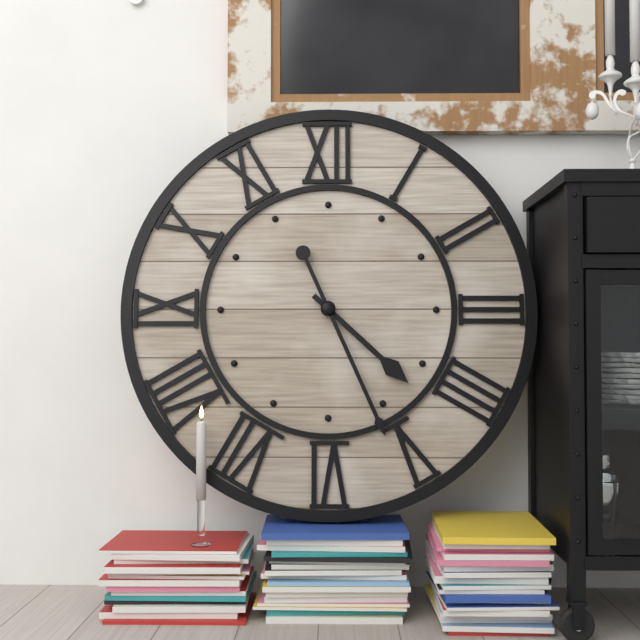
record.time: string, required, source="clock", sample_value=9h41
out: 4h26
